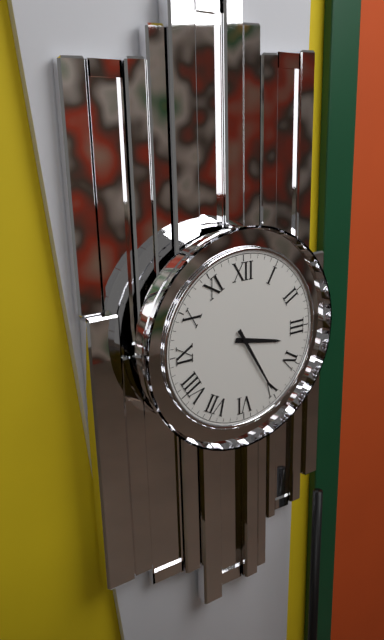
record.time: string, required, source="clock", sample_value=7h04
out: 3h25
